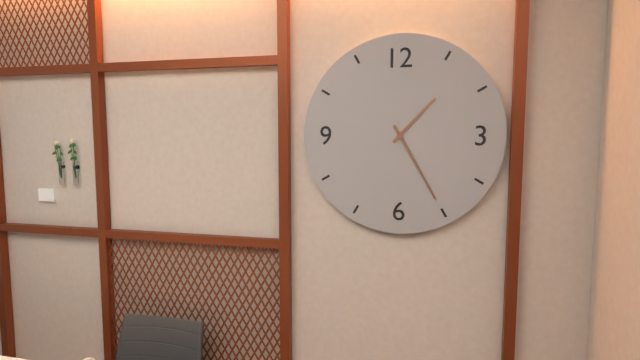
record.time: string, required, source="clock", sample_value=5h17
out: 1h25
